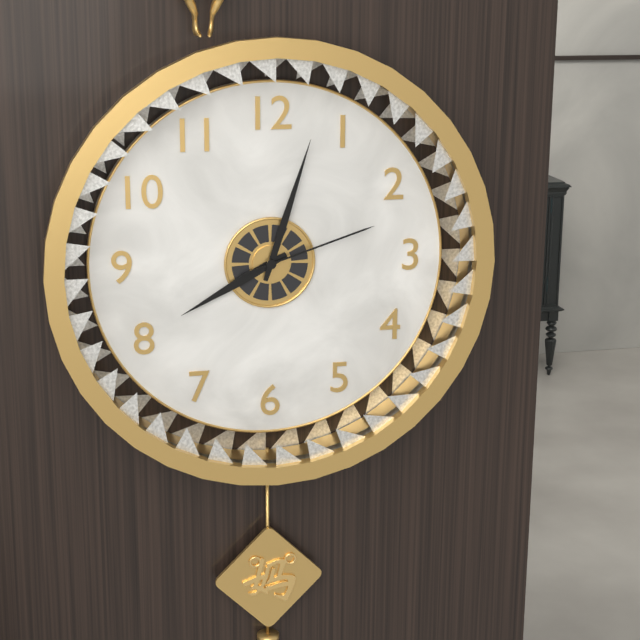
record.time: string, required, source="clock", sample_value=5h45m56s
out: 8h03m12s
